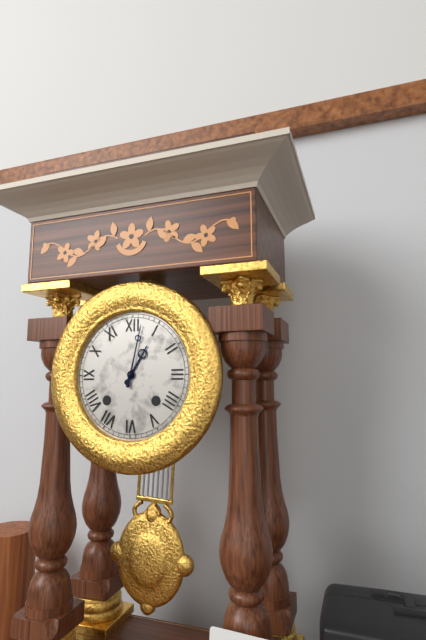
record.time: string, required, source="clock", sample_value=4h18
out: 1h02
